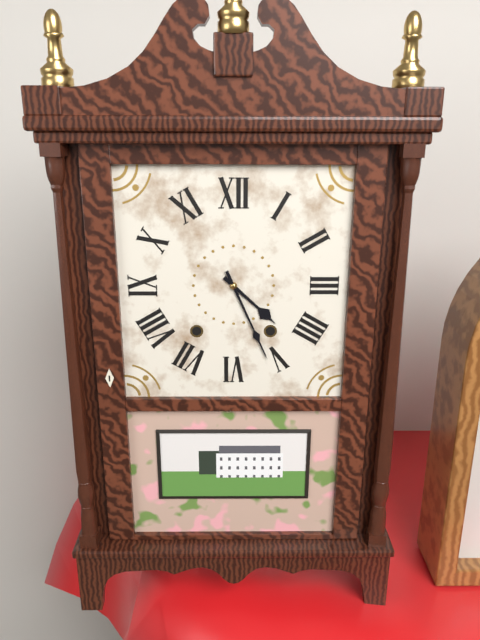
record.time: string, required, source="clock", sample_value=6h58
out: 4h26
